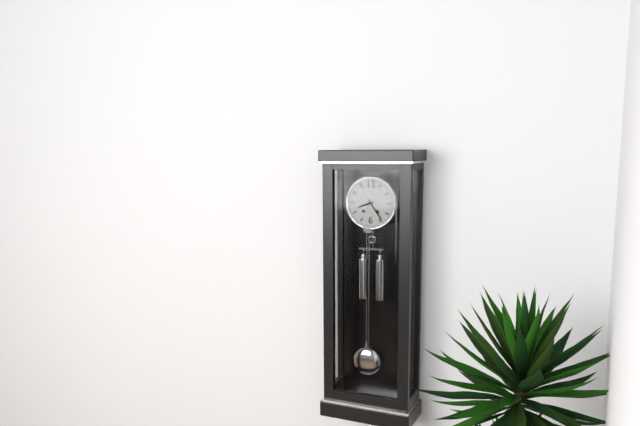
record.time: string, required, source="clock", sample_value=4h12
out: 8h24
